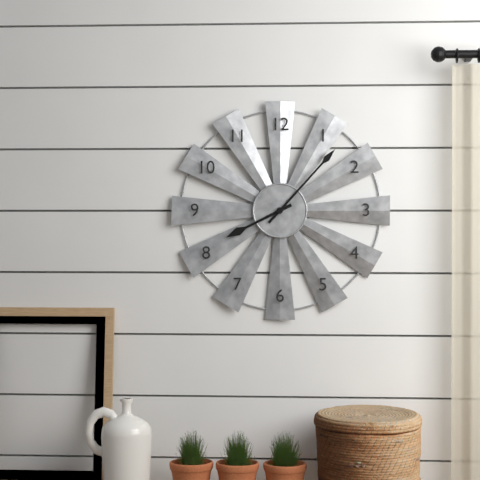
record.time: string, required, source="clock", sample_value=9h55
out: 8h07
